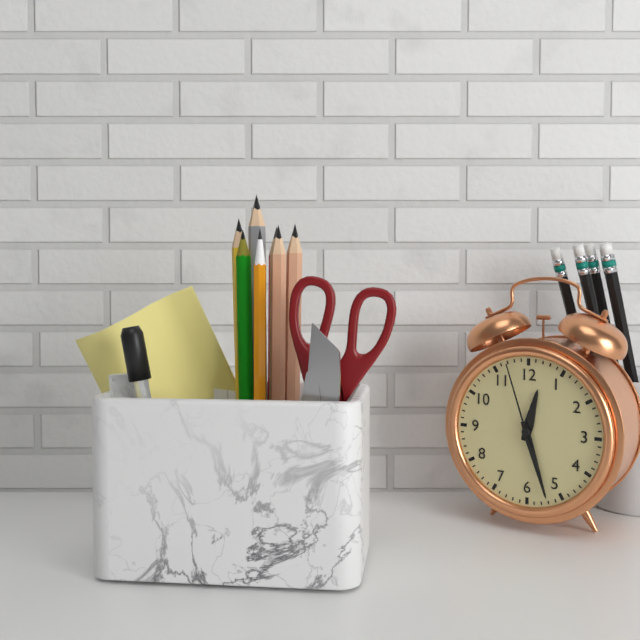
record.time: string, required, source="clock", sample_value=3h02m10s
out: 12h27m57s
